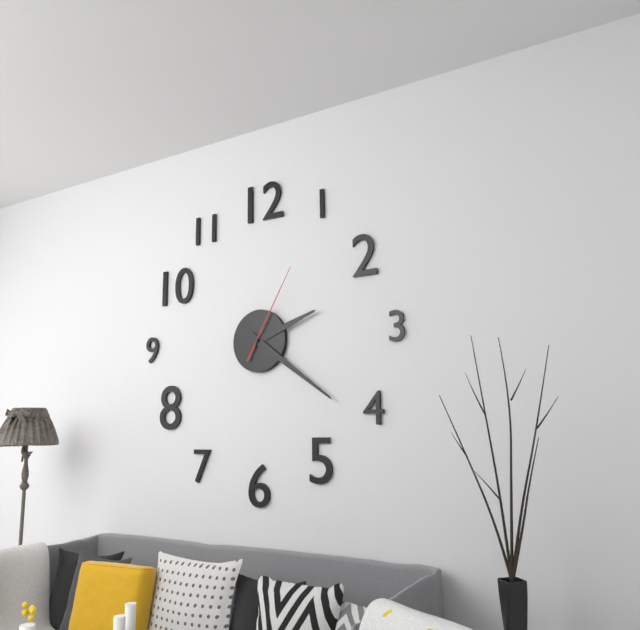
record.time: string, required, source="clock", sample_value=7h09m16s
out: 2h21m05s
